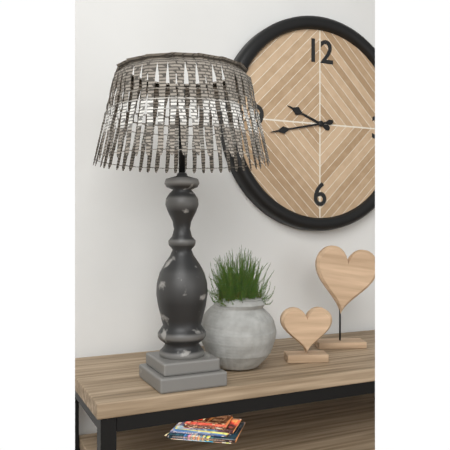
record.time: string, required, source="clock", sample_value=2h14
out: 9h43
